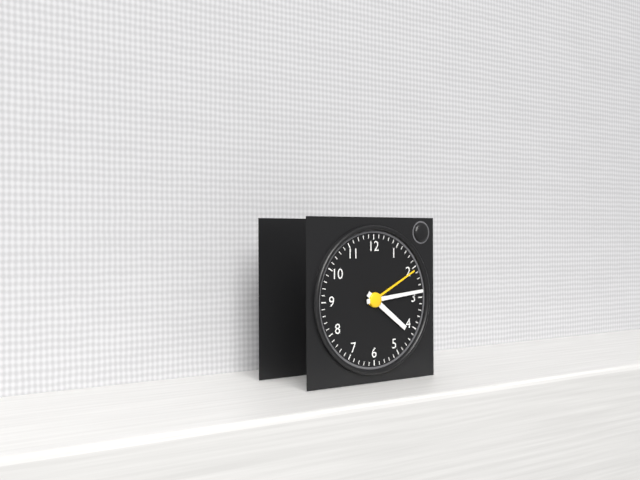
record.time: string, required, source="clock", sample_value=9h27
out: 4h14
